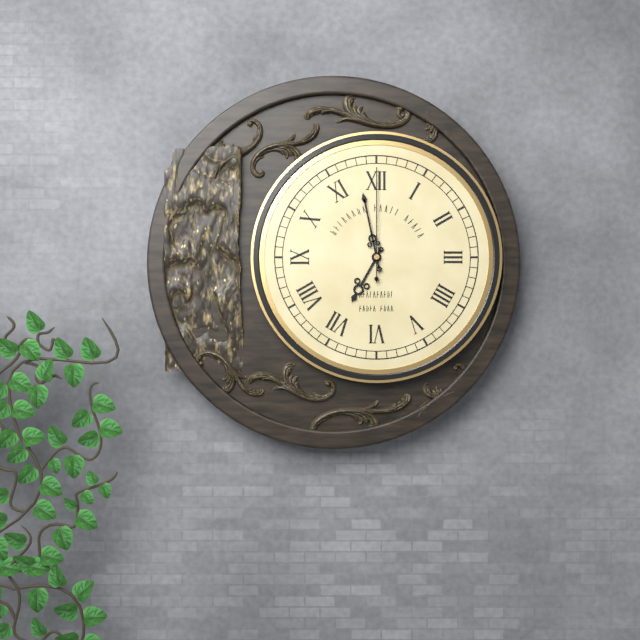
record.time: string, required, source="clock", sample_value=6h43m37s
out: 6h58m00s
